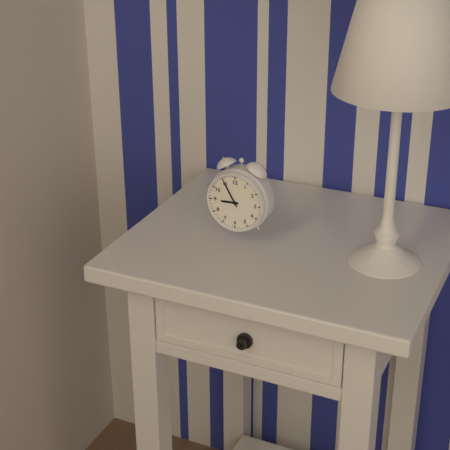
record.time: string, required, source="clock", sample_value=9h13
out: 8h55
